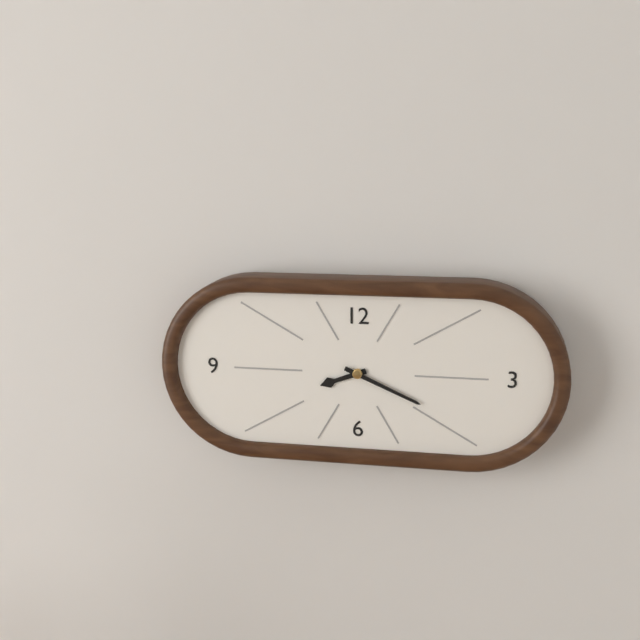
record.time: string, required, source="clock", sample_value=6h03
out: 8h19
